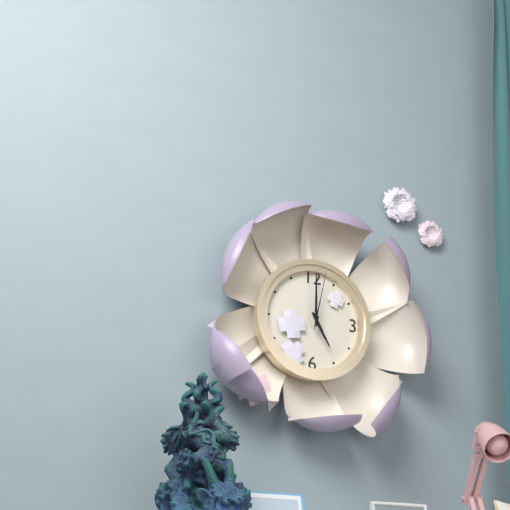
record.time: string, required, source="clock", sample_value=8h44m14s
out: 5h00m02s
